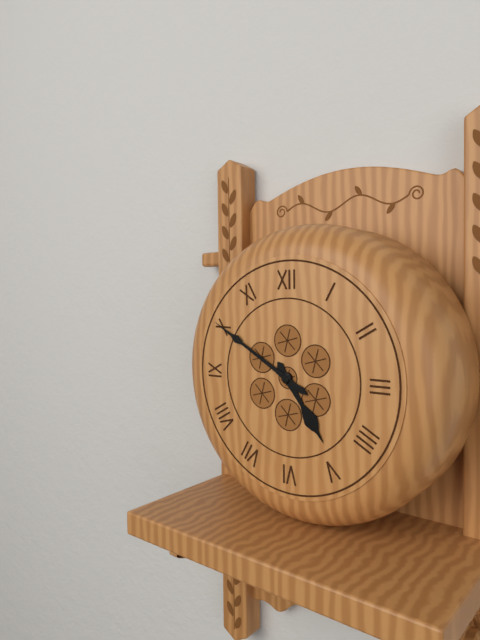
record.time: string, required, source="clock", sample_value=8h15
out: 4h50
